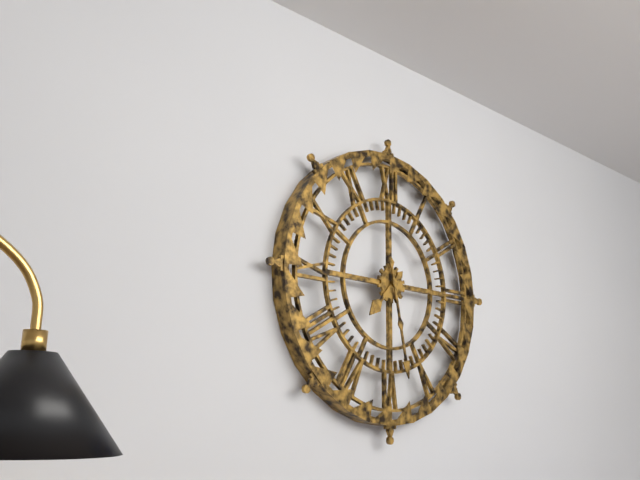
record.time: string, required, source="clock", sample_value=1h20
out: 7h28
